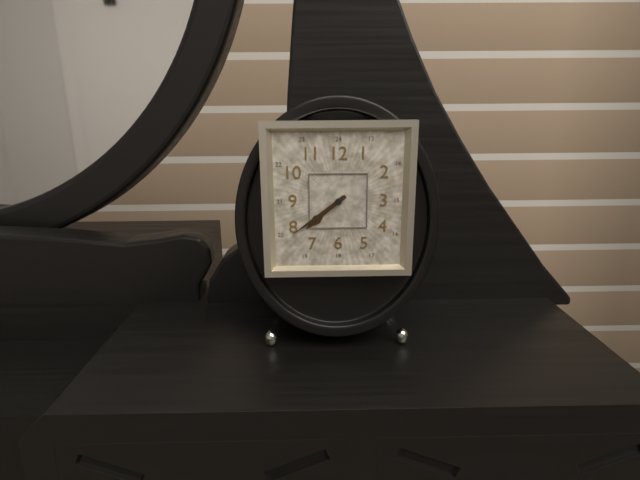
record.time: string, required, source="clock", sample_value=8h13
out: 7h39
